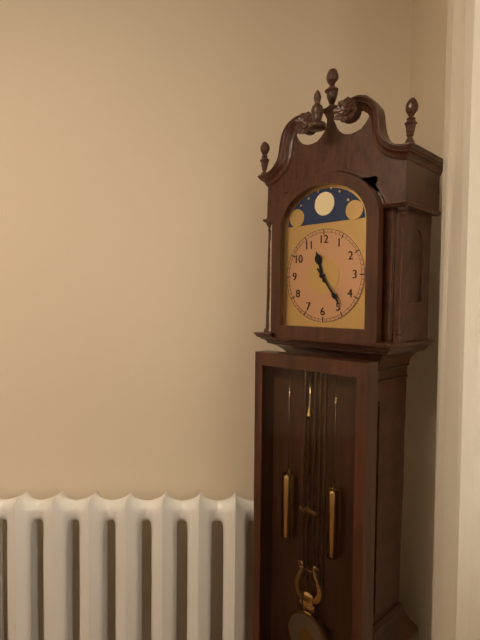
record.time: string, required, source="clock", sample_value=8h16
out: 11h24
